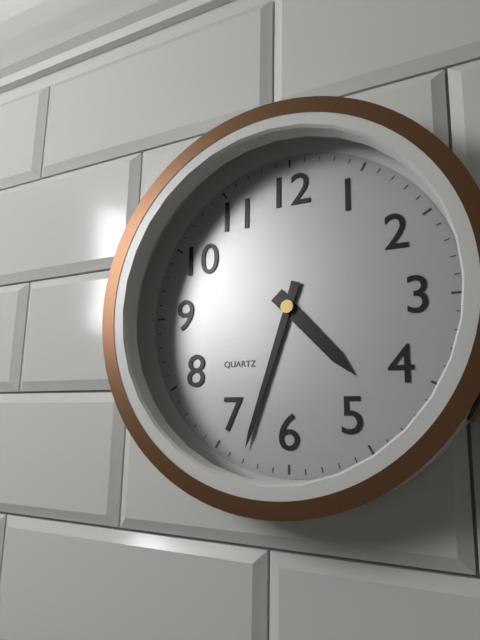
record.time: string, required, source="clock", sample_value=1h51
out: 4h33
